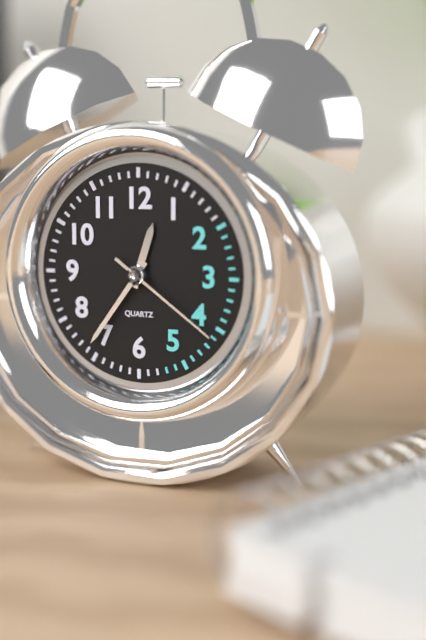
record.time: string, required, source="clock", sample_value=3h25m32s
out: 12h36m21s
